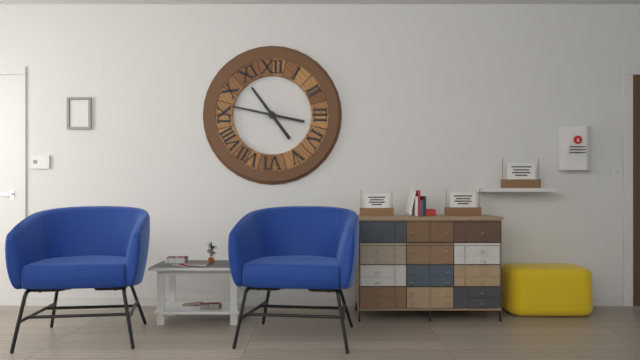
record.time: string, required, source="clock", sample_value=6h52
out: 10h47
